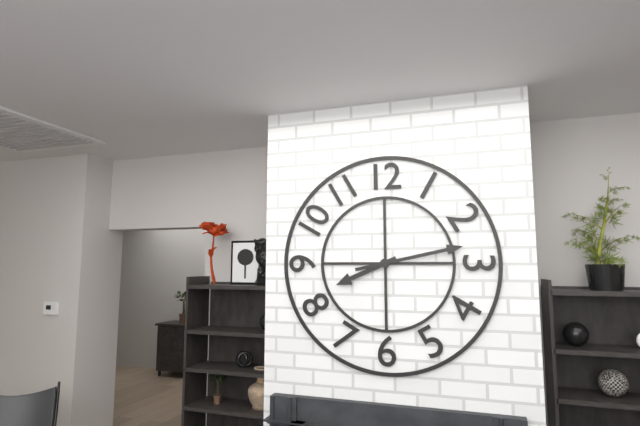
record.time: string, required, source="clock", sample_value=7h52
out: 8h13
